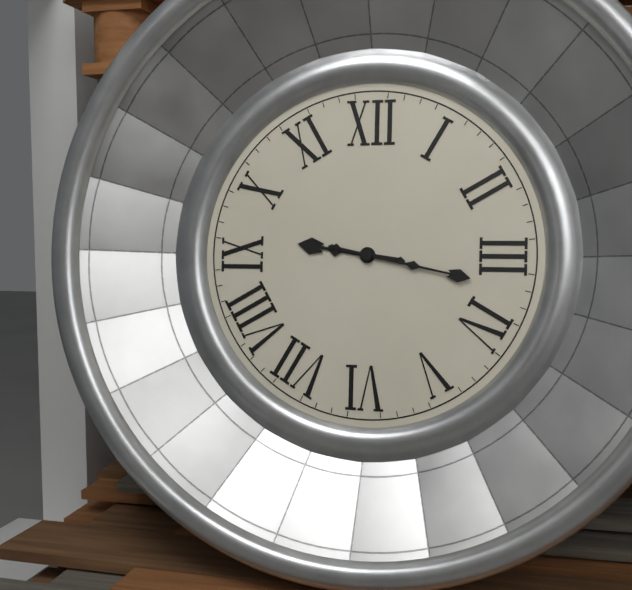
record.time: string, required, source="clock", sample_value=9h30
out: 9h17
